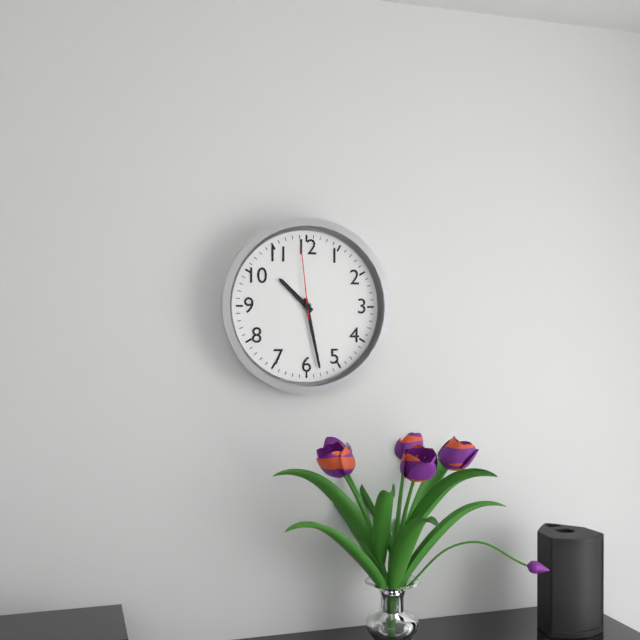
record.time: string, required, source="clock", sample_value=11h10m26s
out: 10h28m59s
